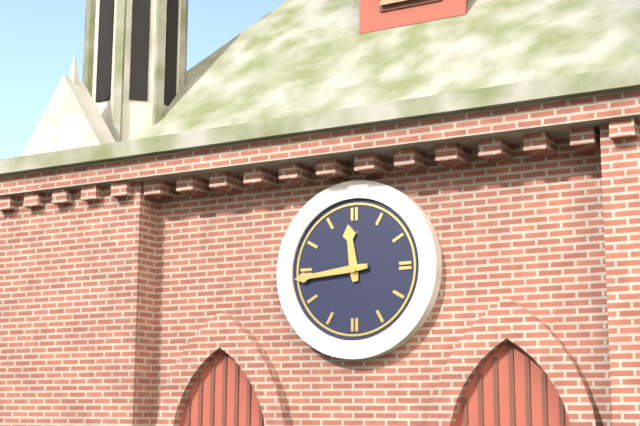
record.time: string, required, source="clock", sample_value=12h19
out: 11h44
